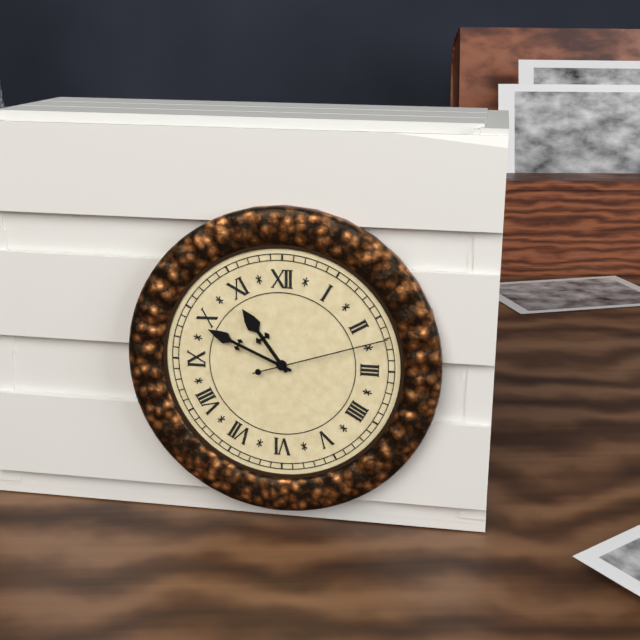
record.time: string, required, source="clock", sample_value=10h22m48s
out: 10h49m12s
